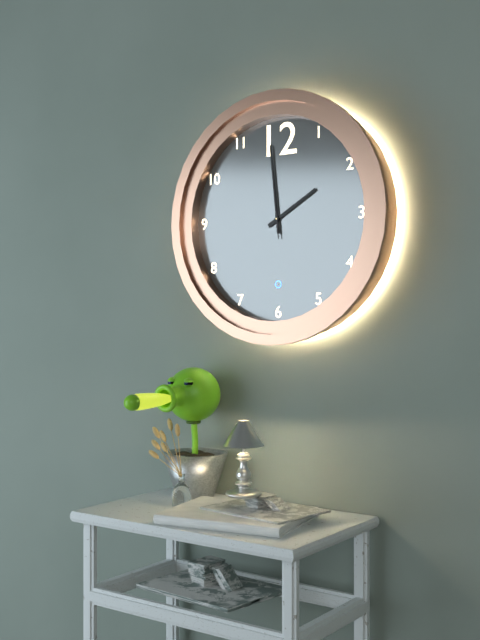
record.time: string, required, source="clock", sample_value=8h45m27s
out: 1h59m59s
